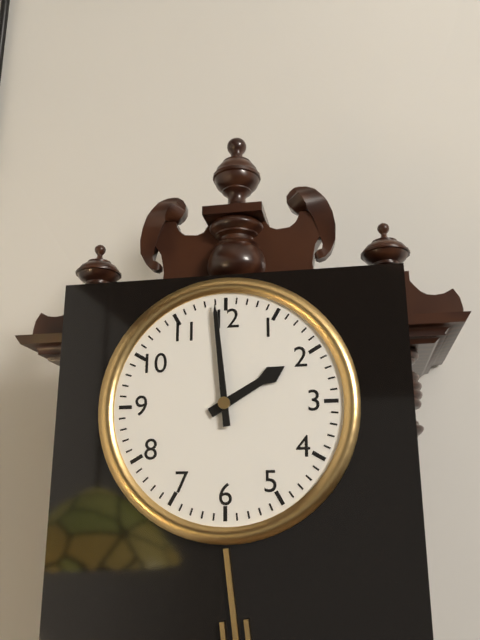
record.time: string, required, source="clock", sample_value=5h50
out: 1h59
